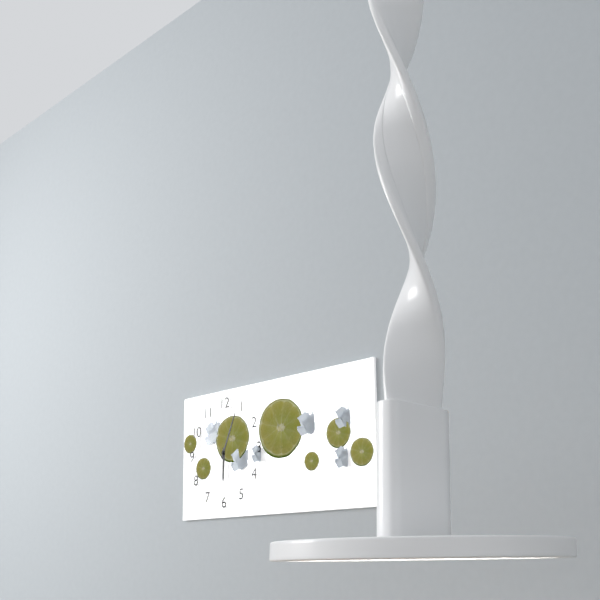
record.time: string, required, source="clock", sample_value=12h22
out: 6h04
